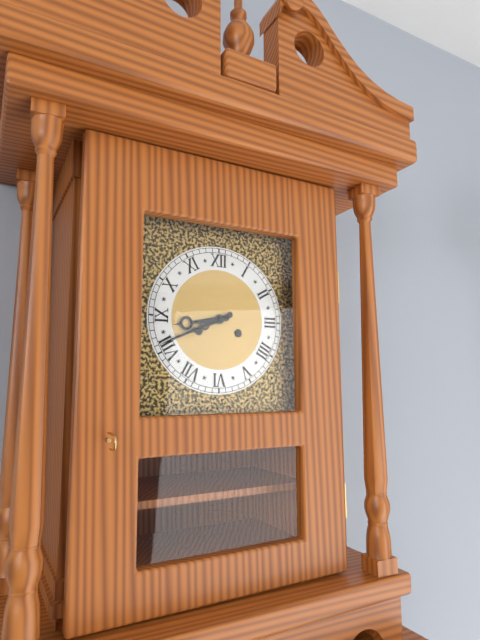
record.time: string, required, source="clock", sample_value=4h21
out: 8h41
